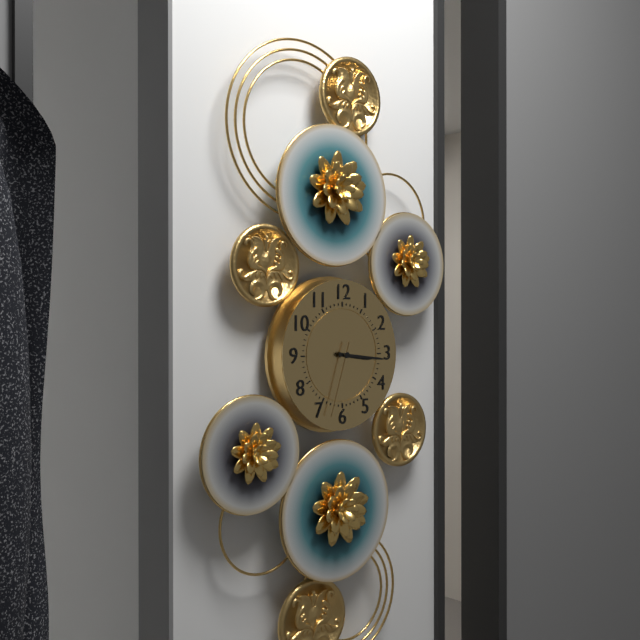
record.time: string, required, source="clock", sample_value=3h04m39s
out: 3h16m33s
